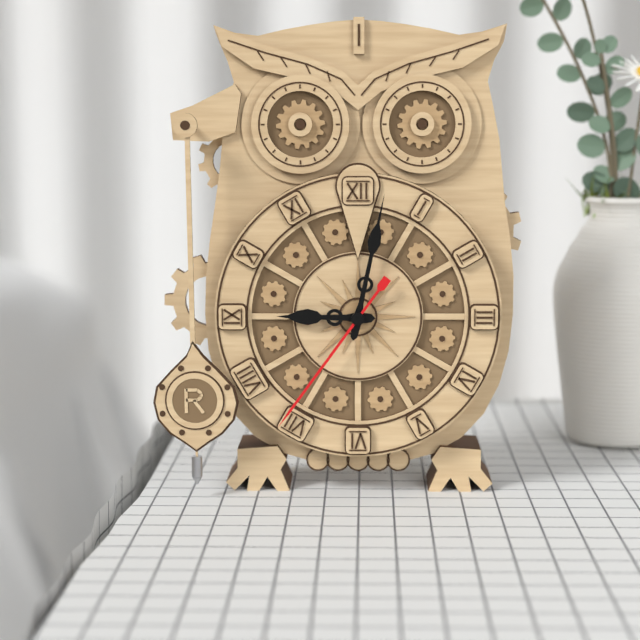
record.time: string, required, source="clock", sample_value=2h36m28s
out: 9h02m36s
